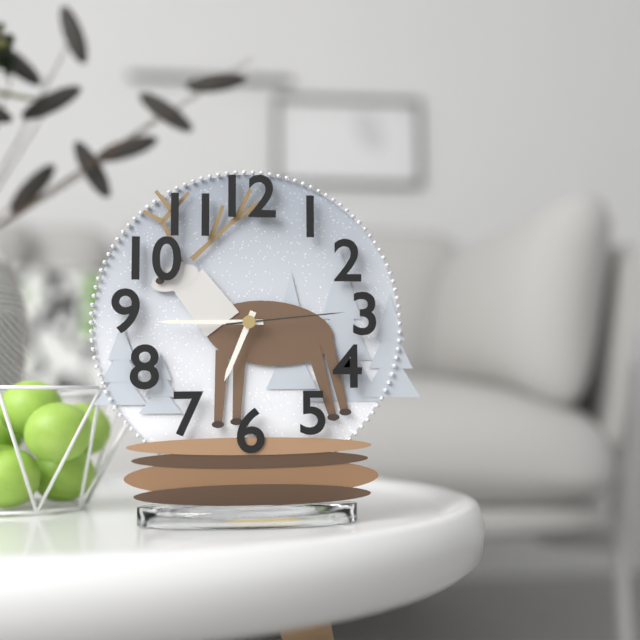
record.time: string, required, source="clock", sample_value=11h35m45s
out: 6h45m14s
